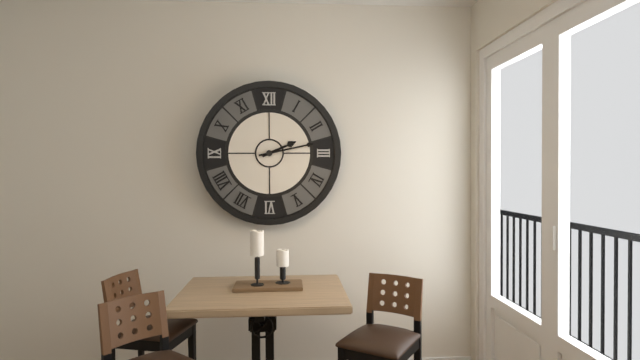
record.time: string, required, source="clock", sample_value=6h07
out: 2h13
